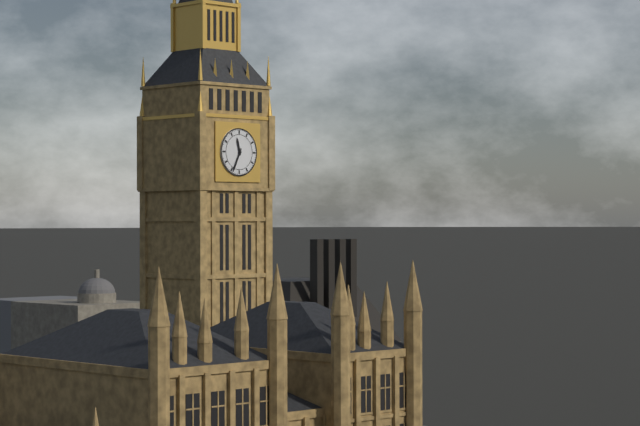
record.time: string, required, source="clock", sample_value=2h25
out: 11h34
